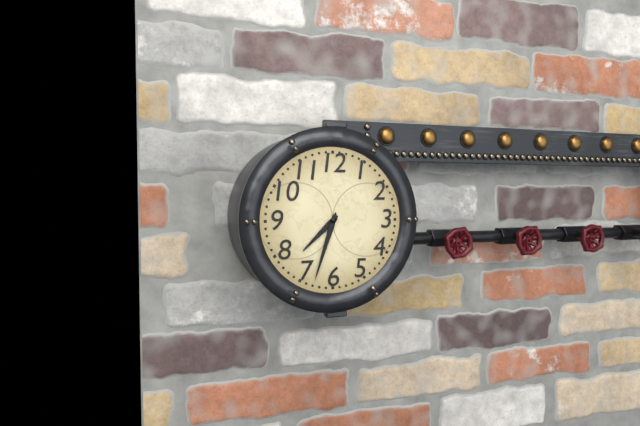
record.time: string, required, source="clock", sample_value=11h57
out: 7h33
